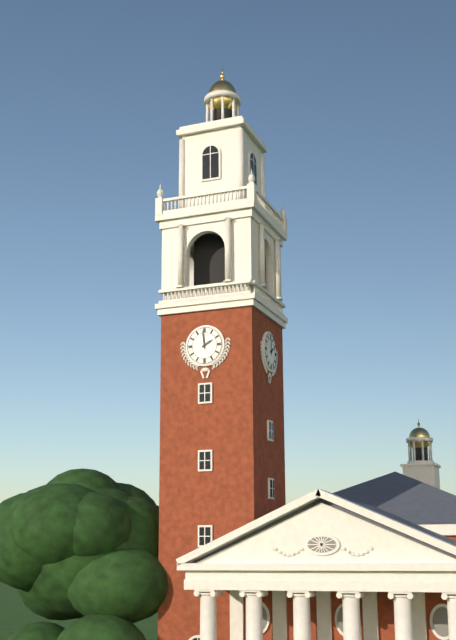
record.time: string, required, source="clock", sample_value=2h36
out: 1h59
